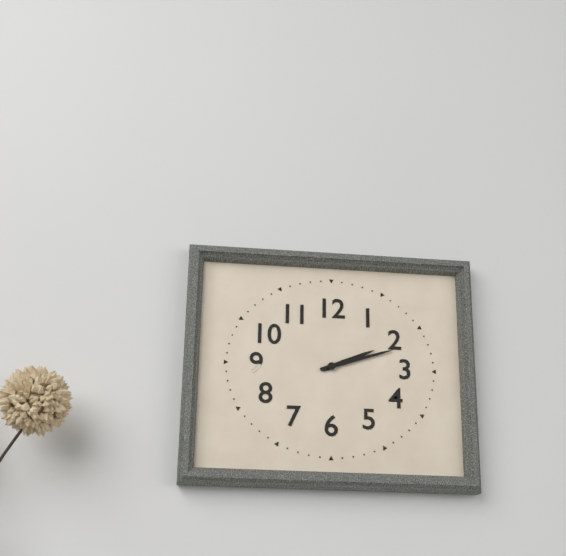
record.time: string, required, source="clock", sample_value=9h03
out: 2h12
